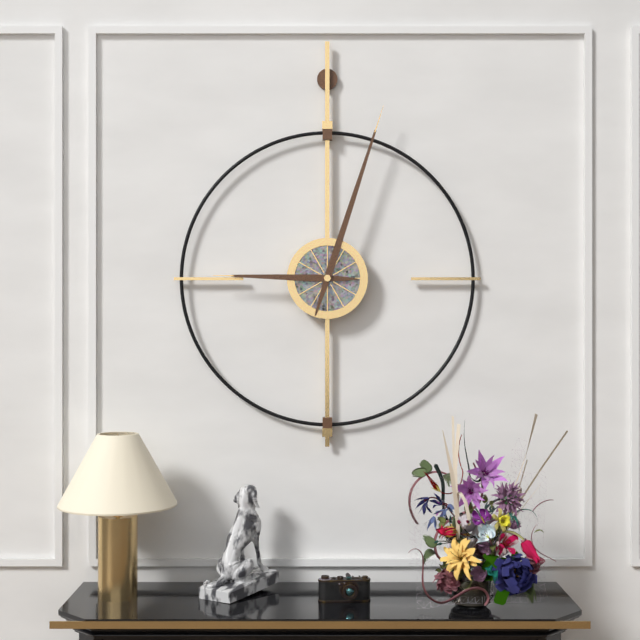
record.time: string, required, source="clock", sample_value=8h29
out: 9h03
